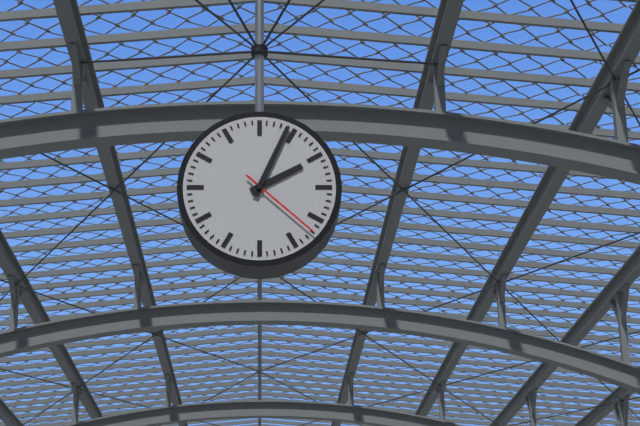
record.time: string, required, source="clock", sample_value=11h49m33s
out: 2h04m22s
